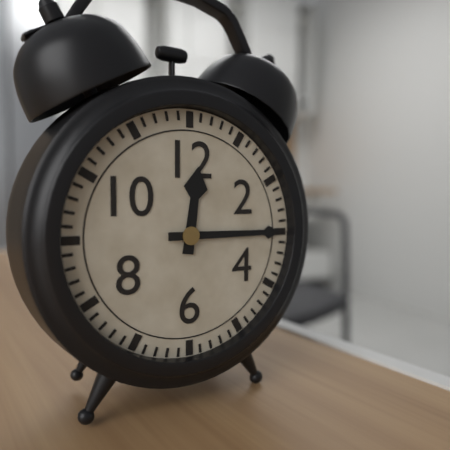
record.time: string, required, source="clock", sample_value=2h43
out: 12h15
